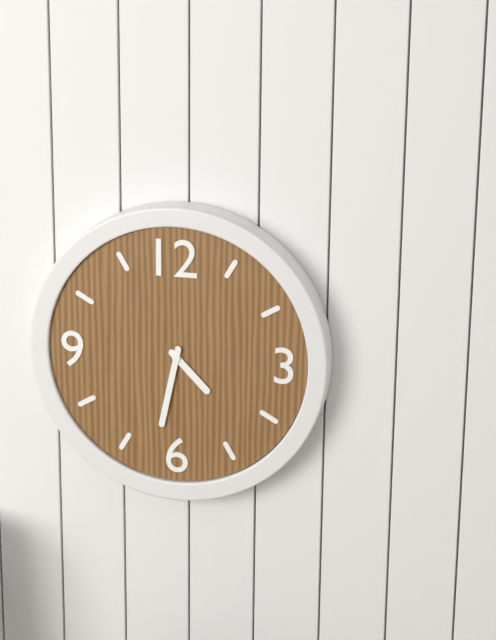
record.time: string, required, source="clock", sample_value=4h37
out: 4h32
